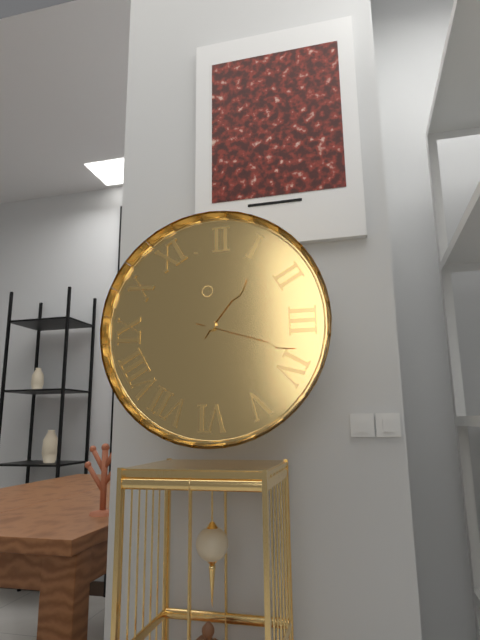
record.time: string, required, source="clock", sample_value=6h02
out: 1h18
